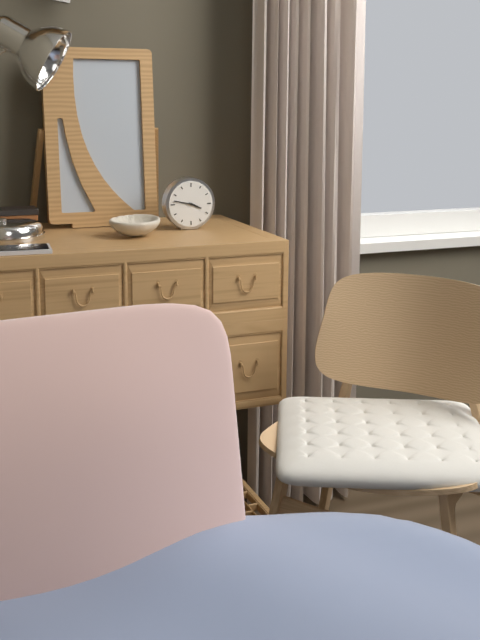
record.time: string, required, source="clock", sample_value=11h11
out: 3h47
